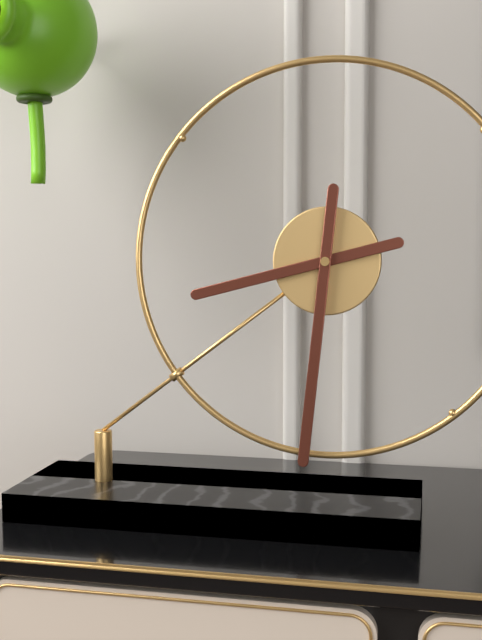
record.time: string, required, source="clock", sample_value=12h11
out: 8h31
